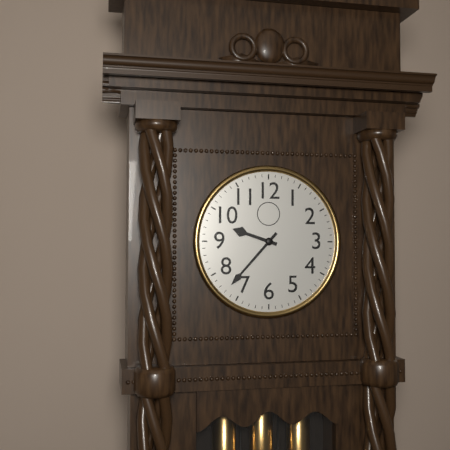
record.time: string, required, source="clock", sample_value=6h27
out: 9h37
